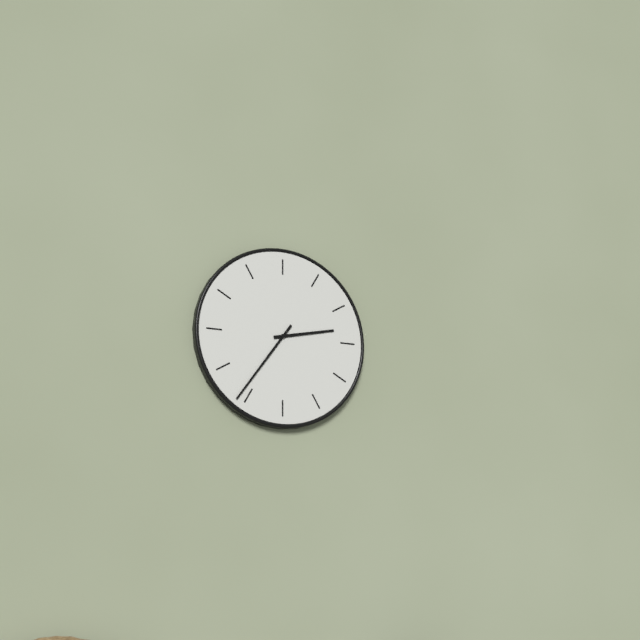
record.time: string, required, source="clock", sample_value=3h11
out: 2h36
